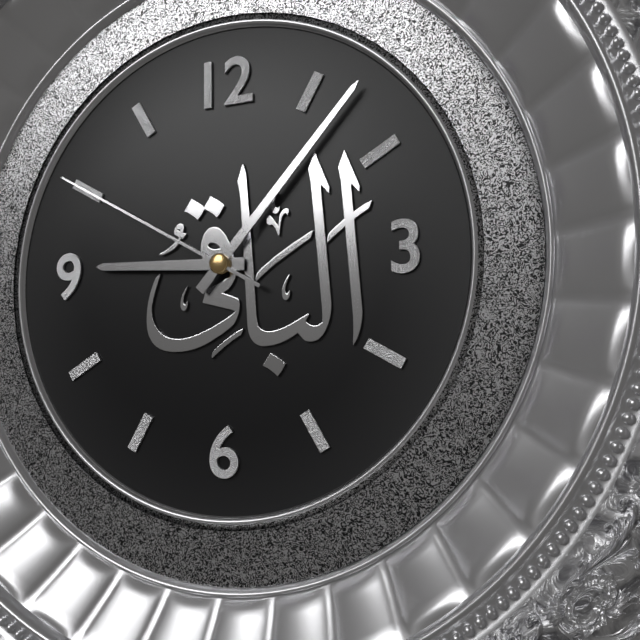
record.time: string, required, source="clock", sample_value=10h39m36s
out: 9h07m50s
